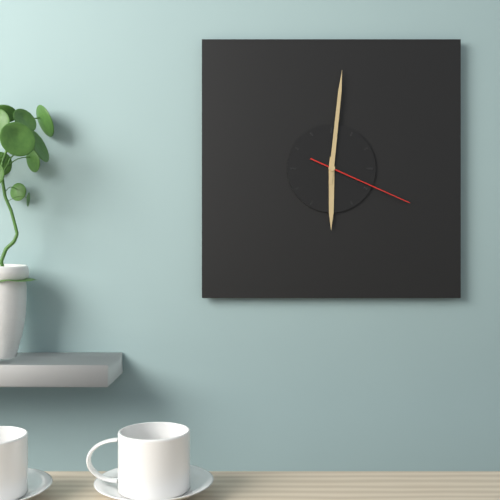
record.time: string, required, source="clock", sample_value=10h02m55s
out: 6h01m19s
